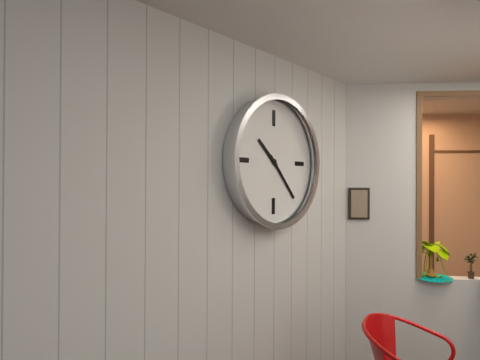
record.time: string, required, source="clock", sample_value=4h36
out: 10h23
